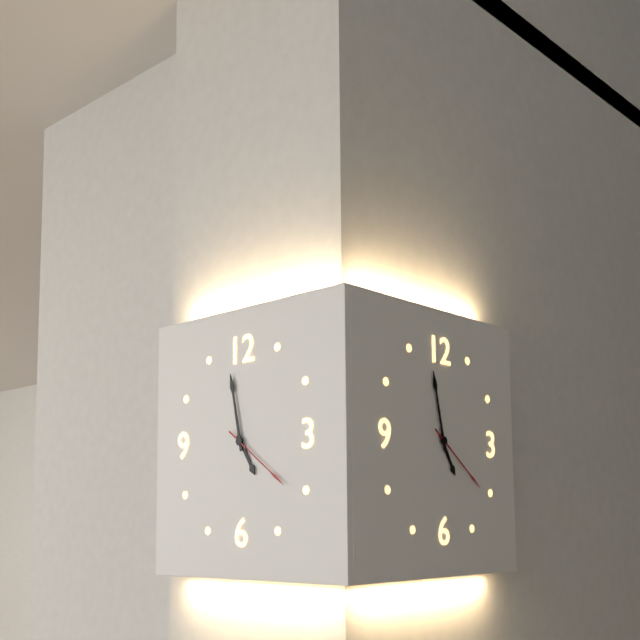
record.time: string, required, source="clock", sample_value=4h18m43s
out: 4h58m21s
